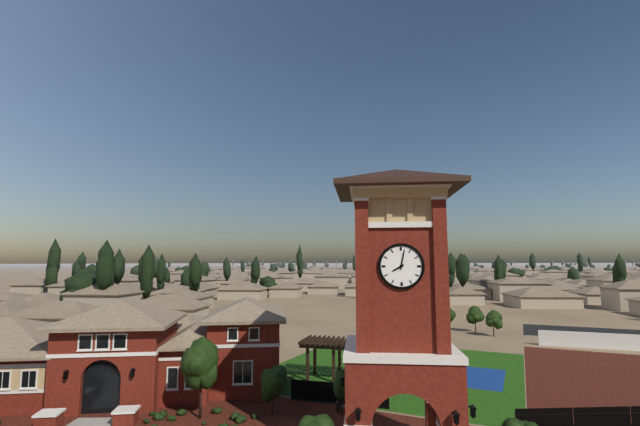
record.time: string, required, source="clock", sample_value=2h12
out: 8h02
